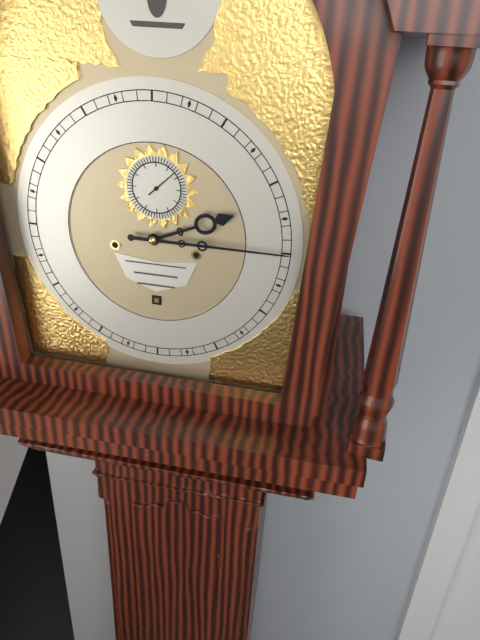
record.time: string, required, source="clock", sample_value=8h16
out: 2h15
